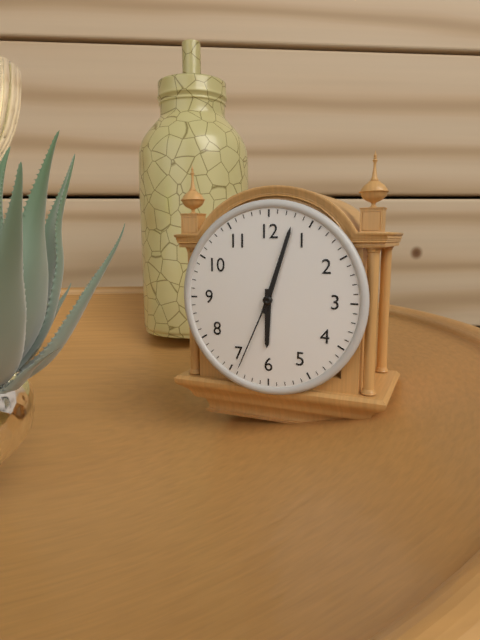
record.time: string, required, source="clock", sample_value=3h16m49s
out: 6h03m34s
